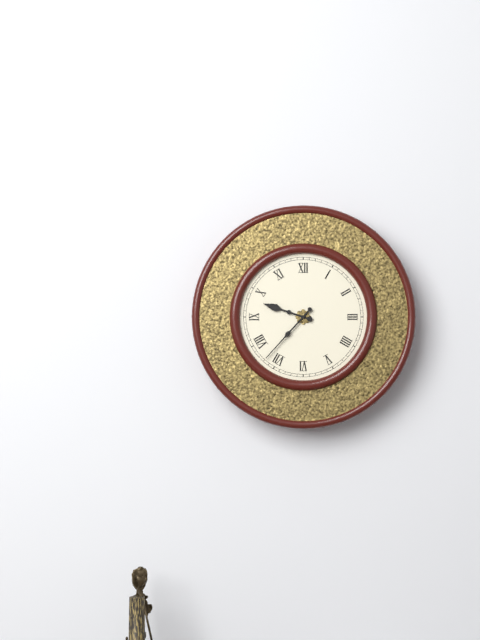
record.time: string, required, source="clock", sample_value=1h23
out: 9h37
